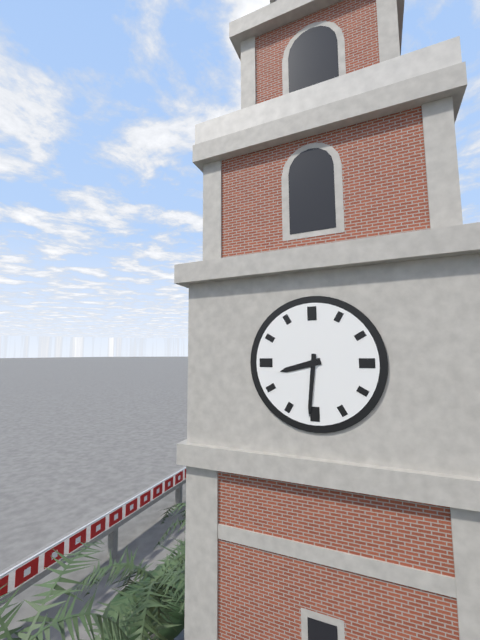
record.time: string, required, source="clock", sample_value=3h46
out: 8h31
